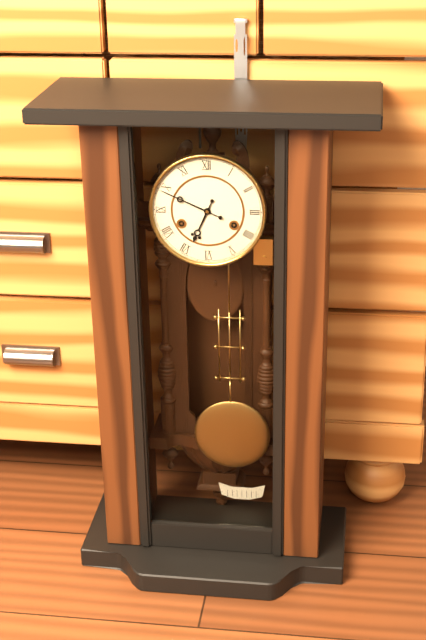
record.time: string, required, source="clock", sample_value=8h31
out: 6h49
